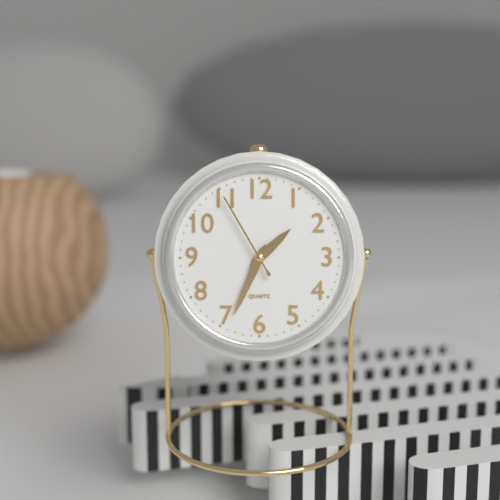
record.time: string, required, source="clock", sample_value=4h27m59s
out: 1h34m55s
